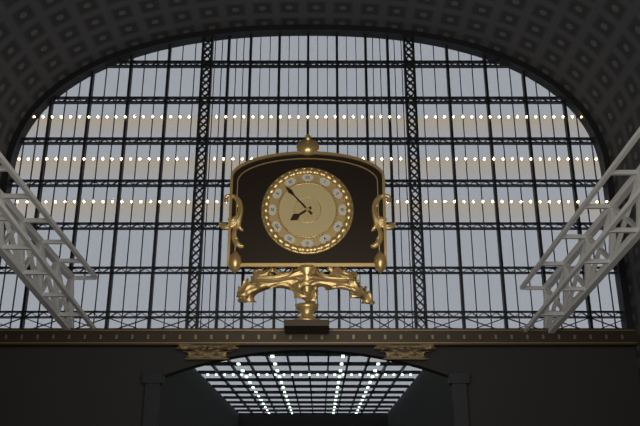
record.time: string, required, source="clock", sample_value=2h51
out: 7h53
